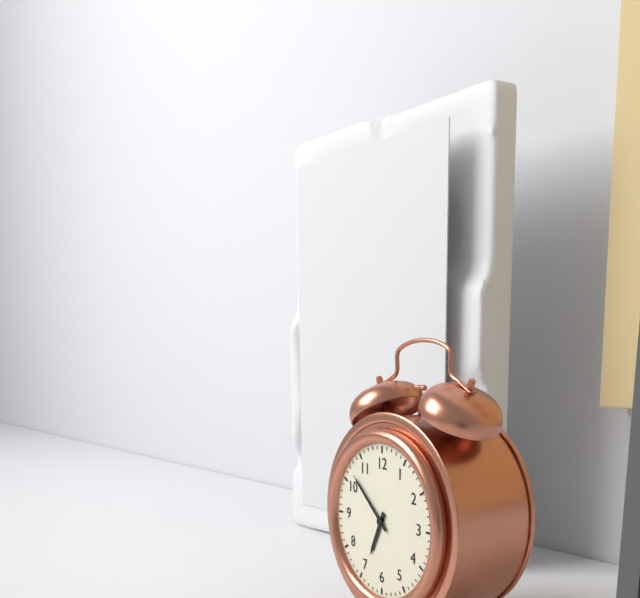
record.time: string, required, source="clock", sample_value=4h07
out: 6h52
